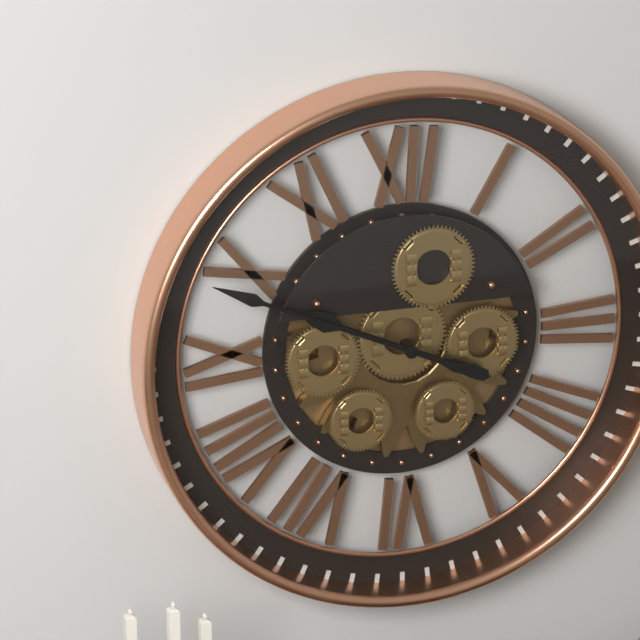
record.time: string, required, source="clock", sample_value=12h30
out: 9h49
